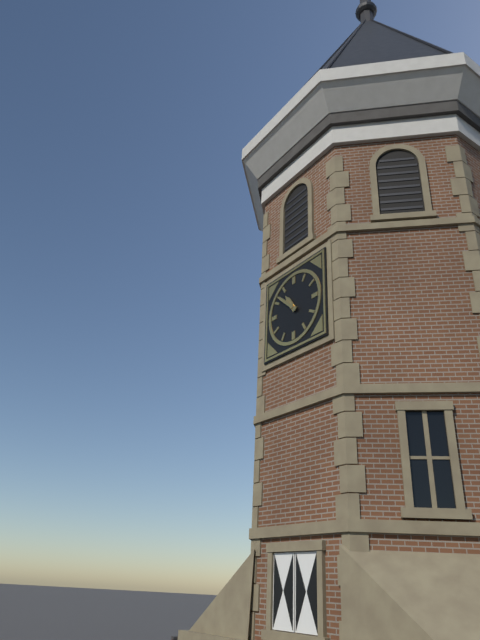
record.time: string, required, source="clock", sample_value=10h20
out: 10h52
